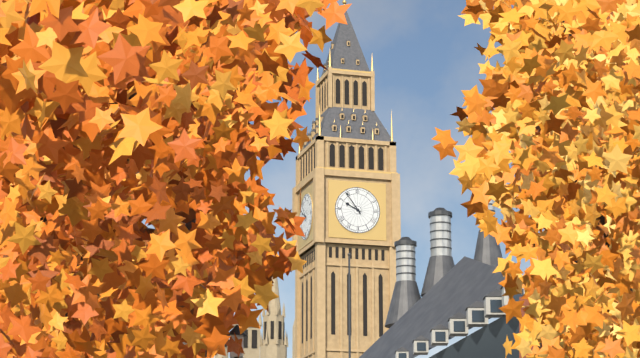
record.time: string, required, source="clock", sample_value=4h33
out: 9h54
